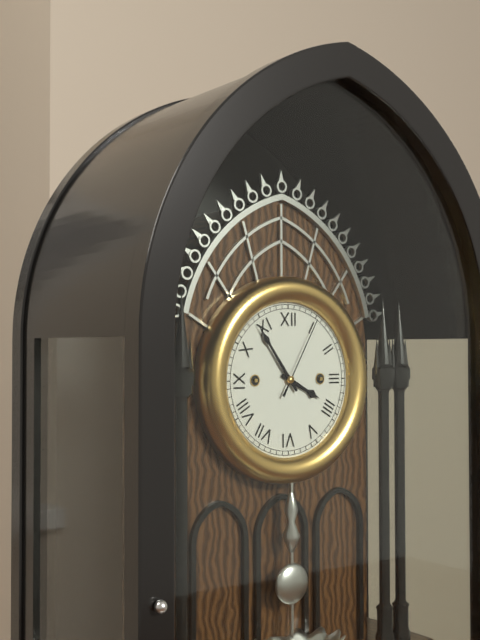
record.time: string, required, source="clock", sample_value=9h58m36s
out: 3h54m05s
